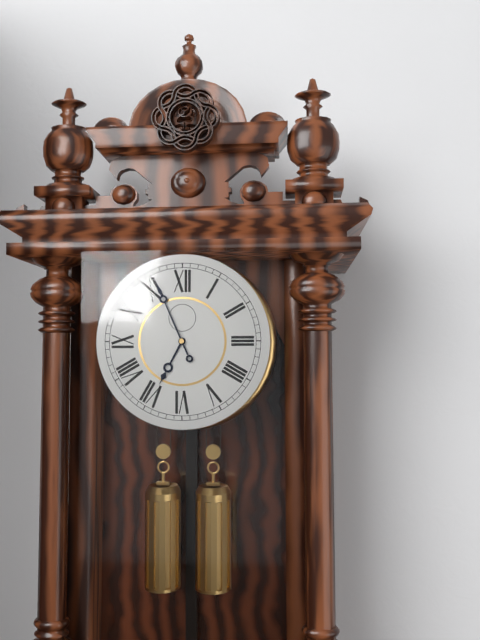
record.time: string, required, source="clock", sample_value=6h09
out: 6h56
